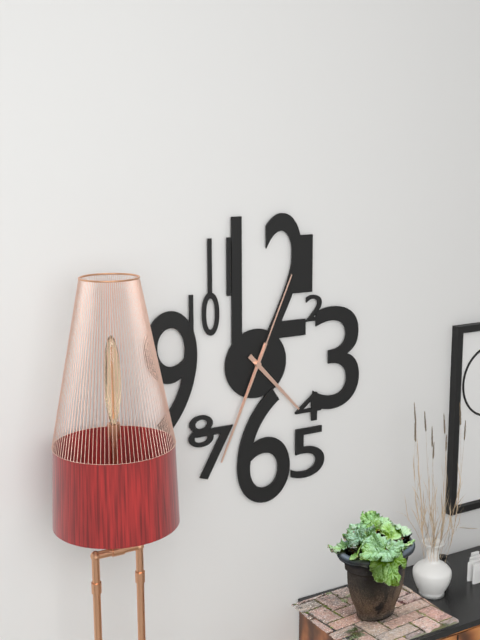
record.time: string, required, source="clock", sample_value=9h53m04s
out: 4h34m04s
